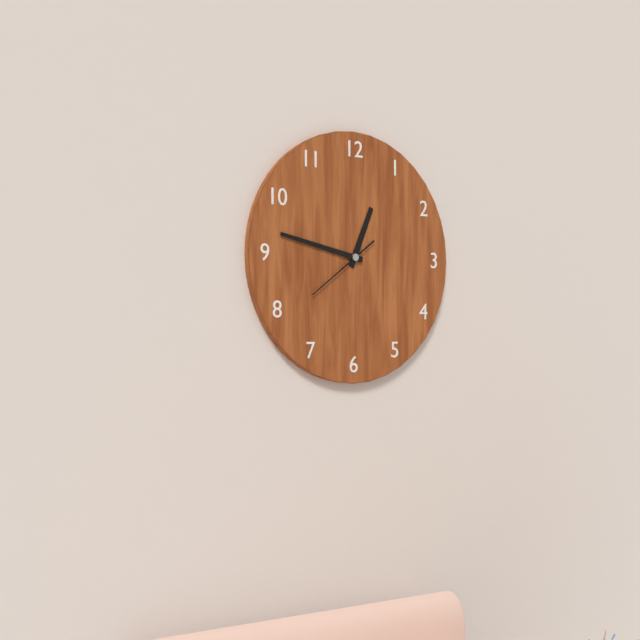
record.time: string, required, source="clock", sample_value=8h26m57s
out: 12h47m39s
